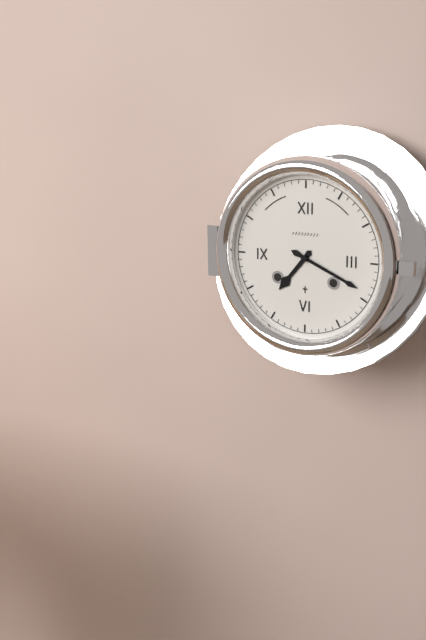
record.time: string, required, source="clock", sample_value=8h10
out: 7h19
